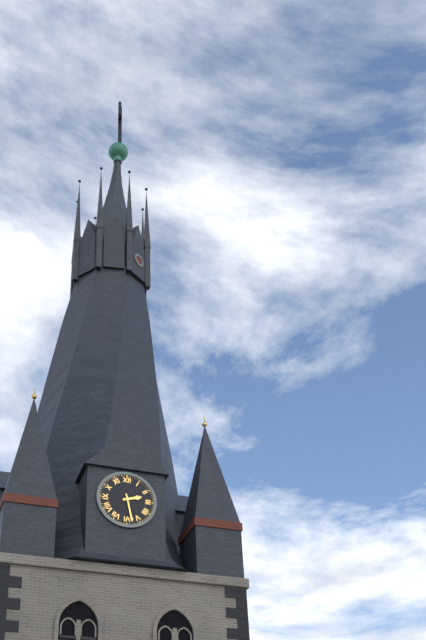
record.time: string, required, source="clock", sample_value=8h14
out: 2h28
